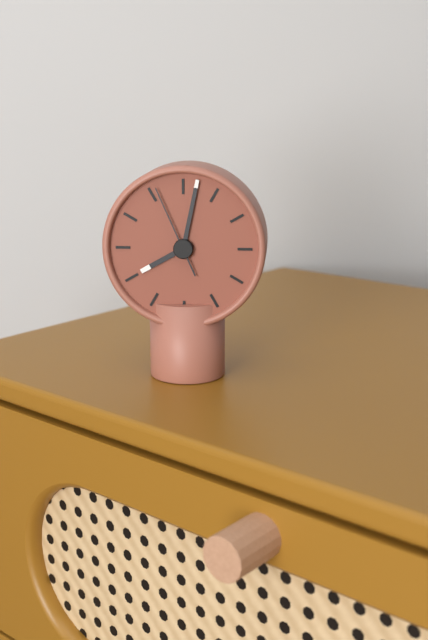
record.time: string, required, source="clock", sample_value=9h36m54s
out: 8h02m56s
